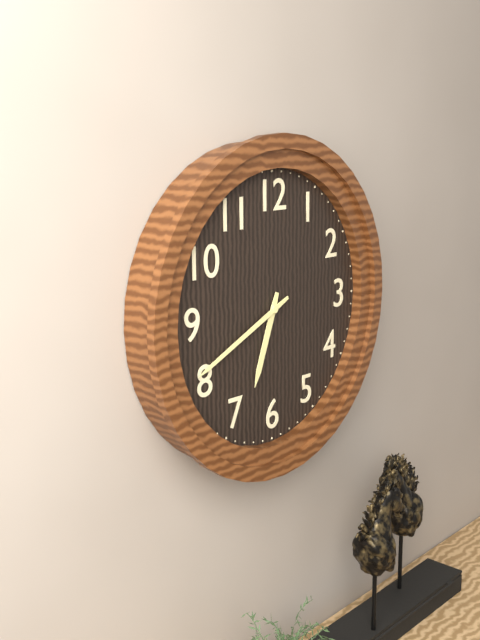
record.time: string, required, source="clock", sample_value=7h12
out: 6h41
